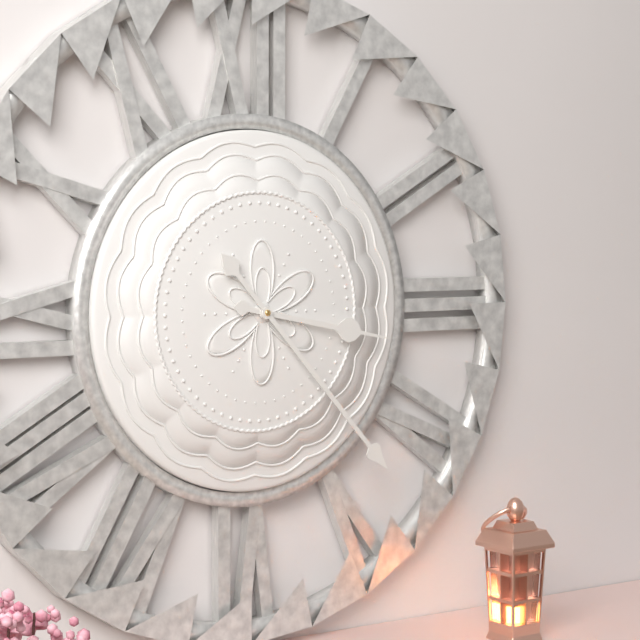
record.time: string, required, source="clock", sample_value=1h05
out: 3h23
